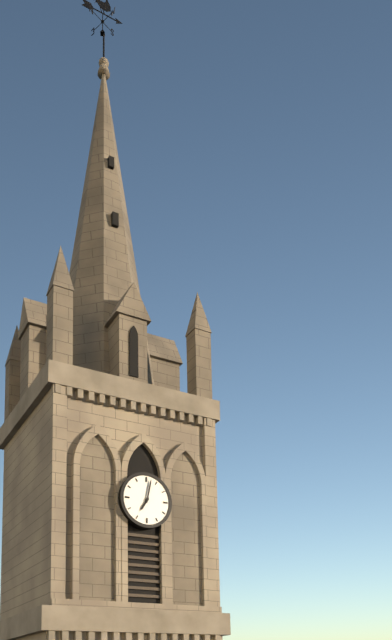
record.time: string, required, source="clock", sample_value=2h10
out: 7h02
